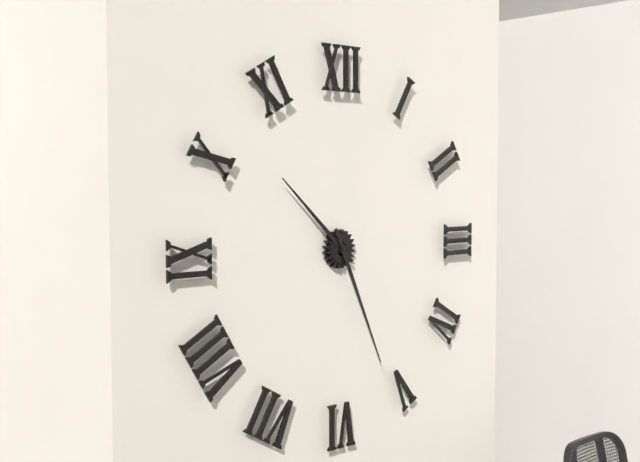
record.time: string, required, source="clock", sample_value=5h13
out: 10h26
